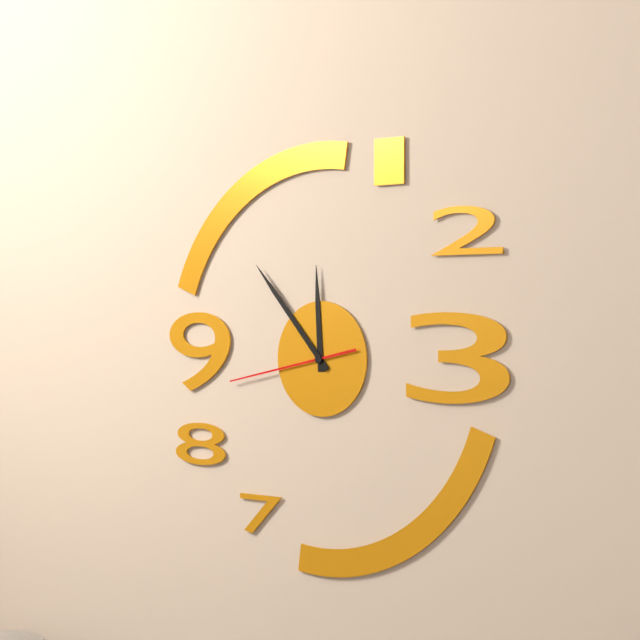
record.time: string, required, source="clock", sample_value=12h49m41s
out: 11h53m43s
